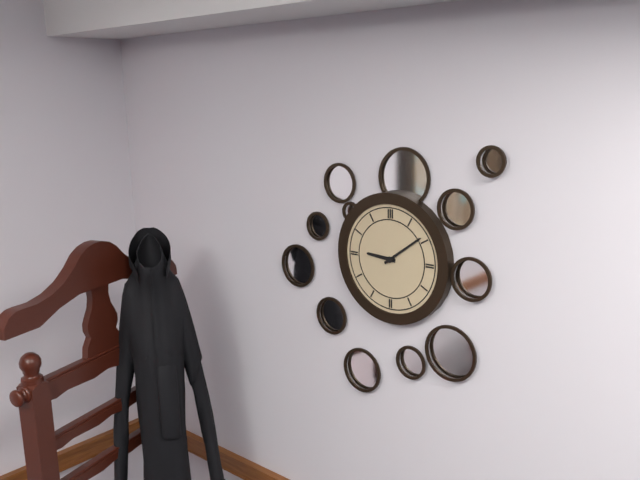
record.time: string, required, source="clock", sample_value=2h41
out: 9h09
